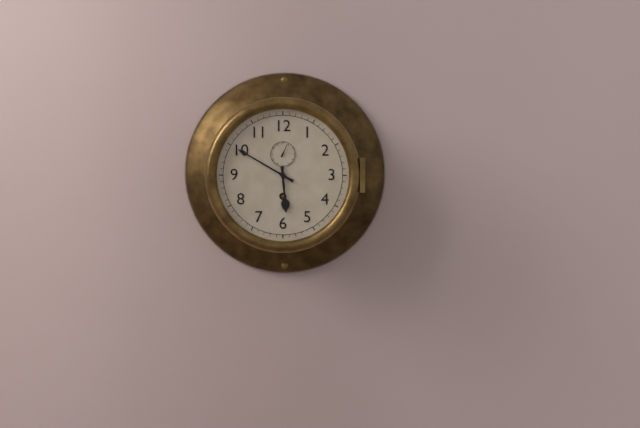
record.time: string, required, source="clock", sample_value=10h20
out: 5h50
